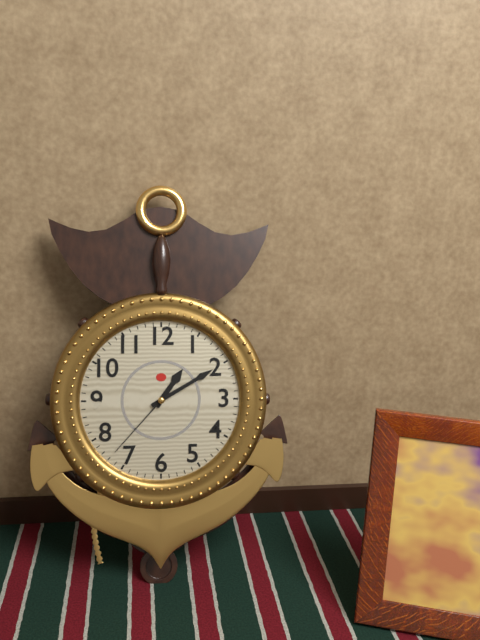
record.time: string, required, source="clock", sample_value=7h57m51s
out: 1h10m37s
